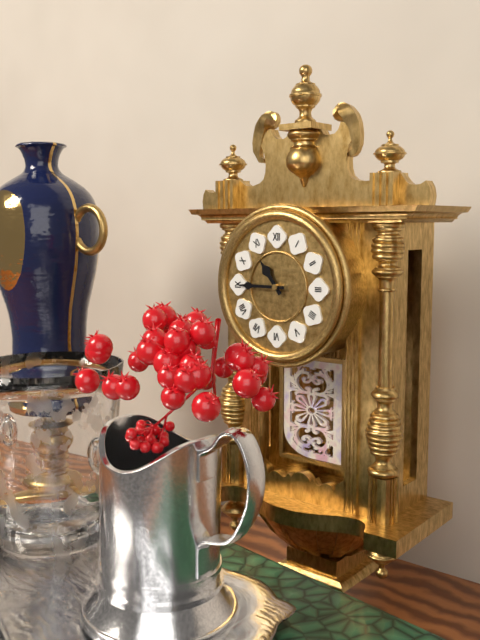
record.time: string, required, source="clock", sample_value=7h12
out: 10h45
